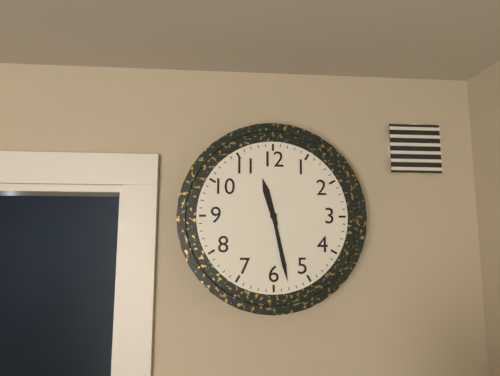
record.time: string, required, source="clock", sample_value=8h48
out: 11h28
